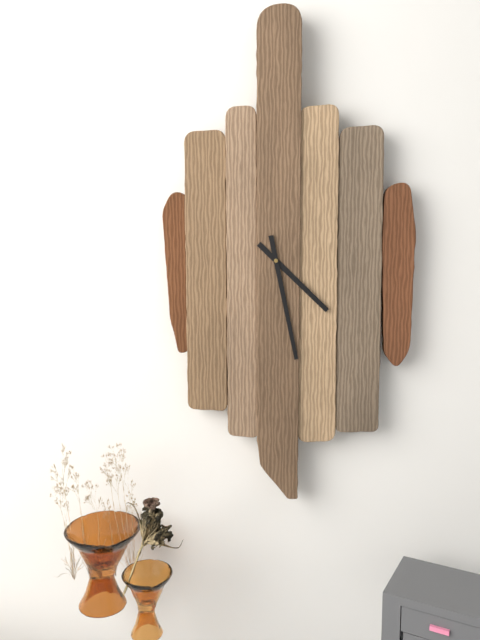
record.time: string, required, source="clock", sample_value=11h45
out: 4h28
